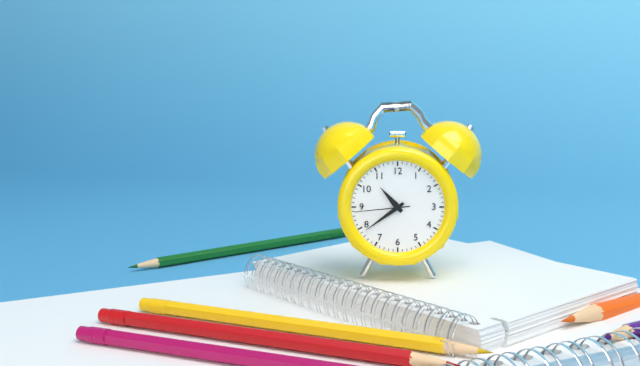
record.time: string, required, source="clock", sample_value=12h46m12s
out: 10h39m44s
